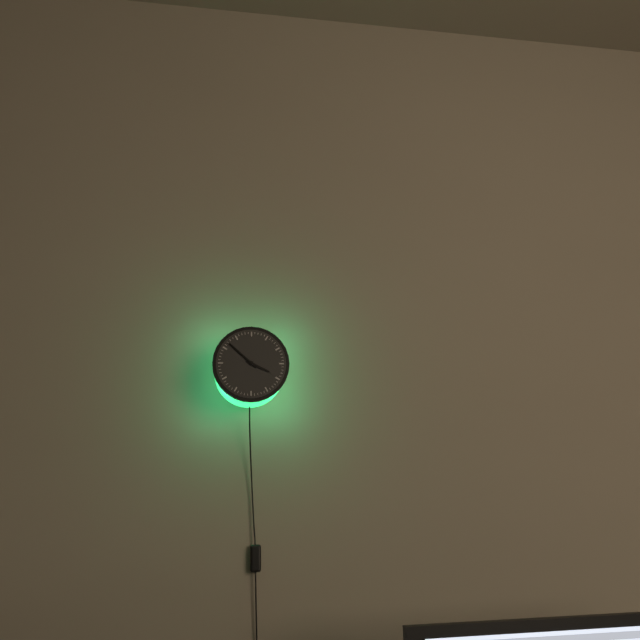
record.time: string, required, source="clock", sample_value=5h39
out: 3h52
